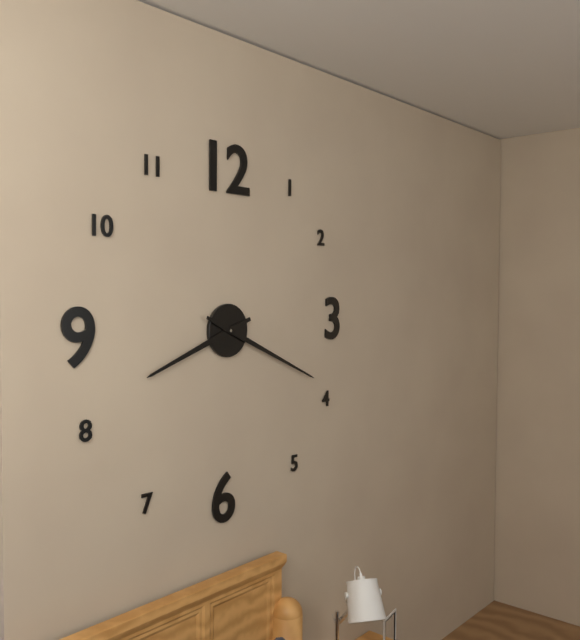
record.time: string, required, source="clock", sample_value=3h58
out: 8h19
